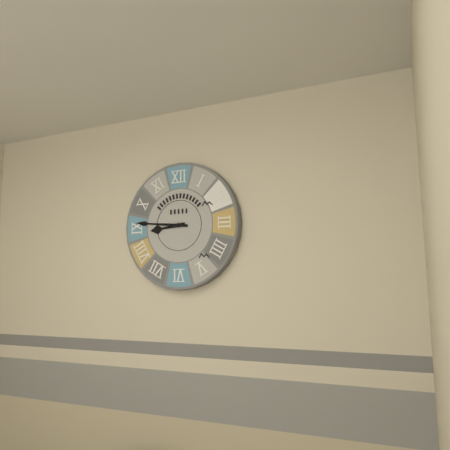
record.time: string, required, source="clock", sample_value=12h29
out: 8h46
